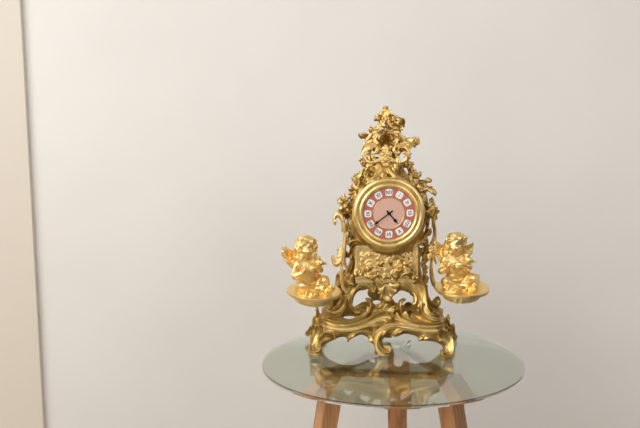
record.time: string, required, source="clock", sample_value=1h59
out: 4h39
